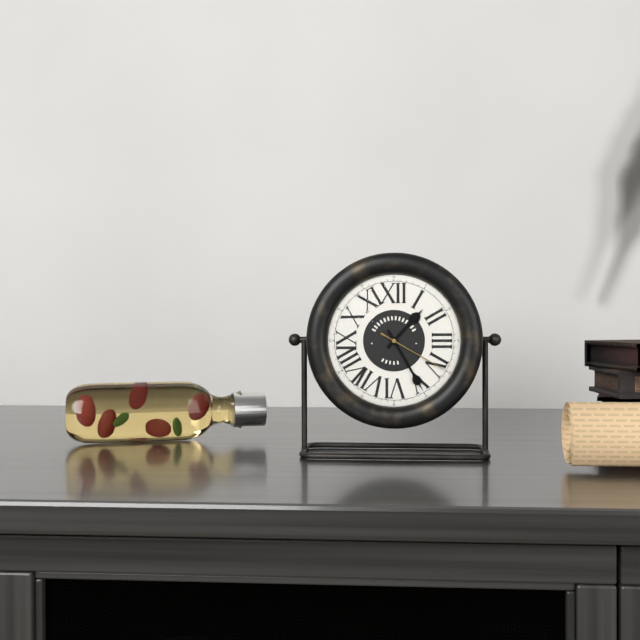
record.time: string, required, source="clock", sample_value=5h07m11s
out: 1h25m20s
